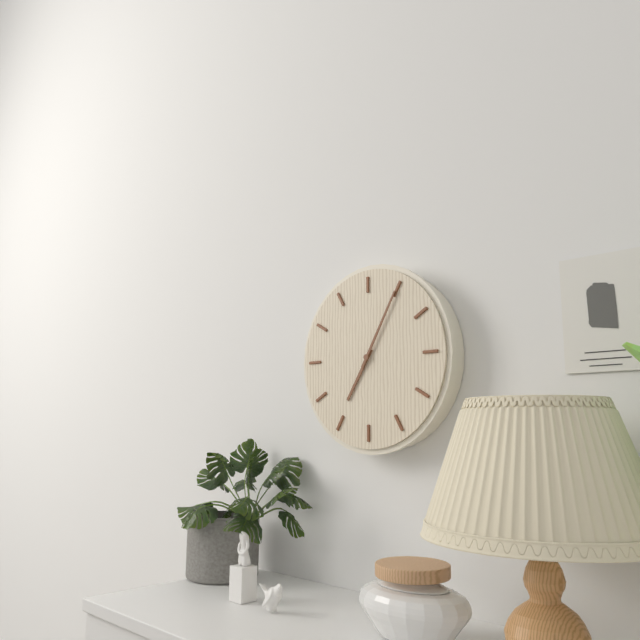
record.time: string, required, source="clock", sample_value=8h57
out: 7h05
